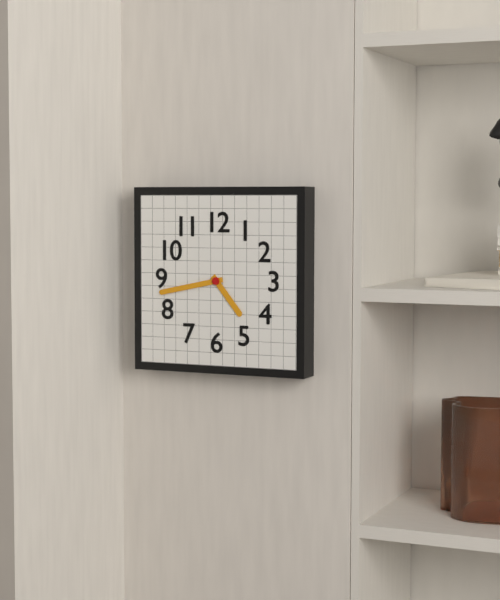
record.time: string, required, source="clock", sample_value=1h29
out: 4h43
